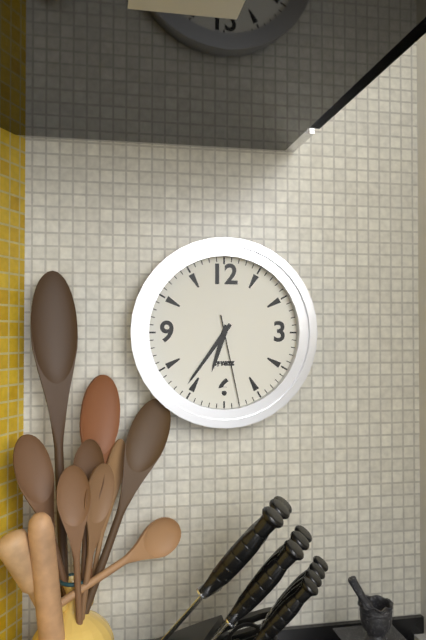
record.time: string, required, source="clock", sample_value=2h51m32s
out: 6h36m28s
